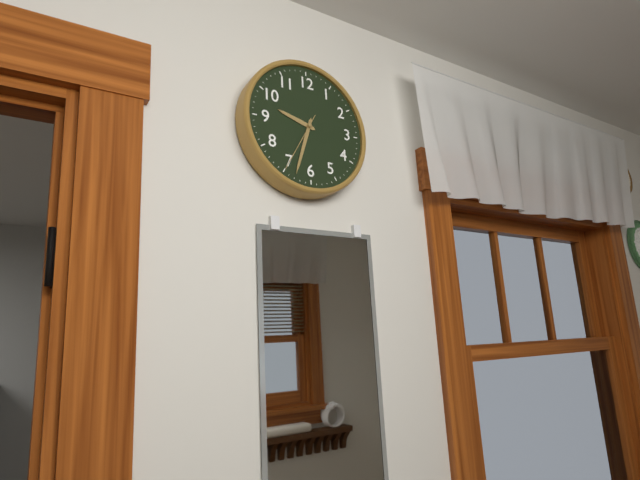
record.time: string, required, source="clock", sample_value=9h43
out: 9h33
